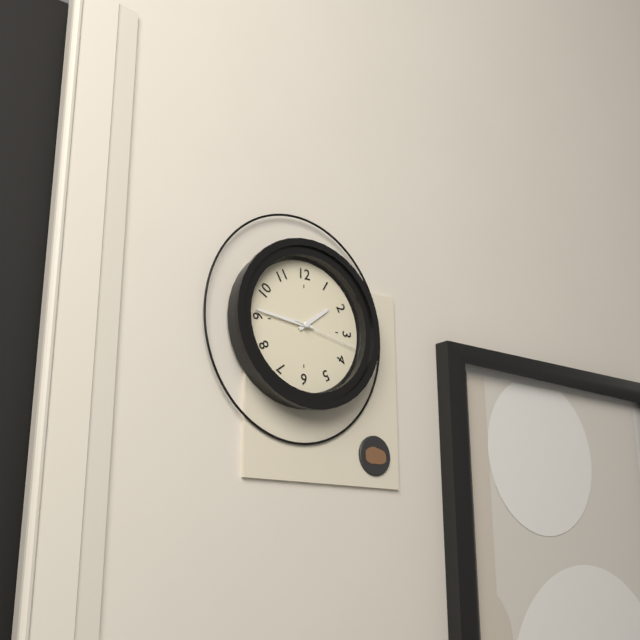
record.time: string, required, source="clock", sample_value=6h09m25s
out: 1h46m17s
